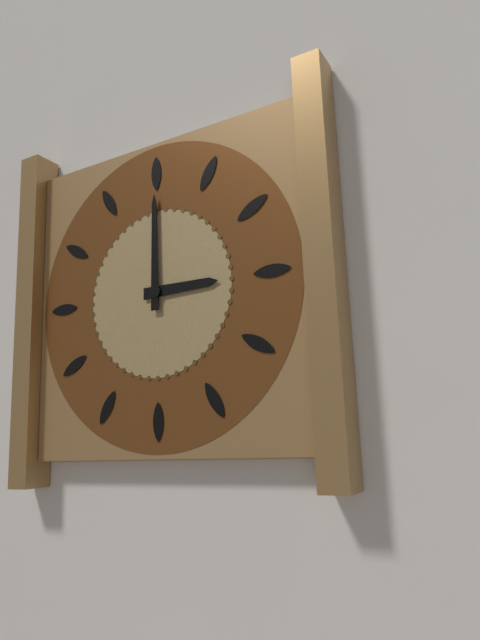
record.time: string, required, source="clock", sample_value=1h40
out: 3h00
